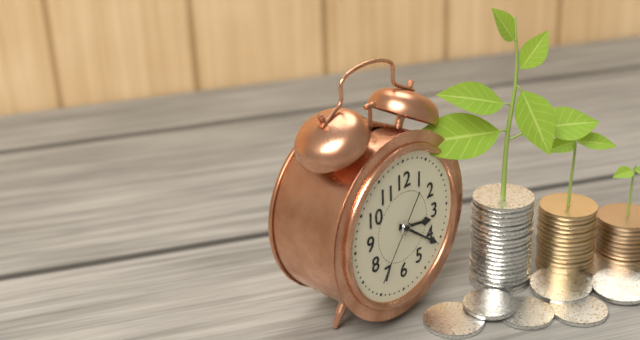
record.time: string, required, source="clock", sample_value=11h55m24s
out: 3h21m36s
